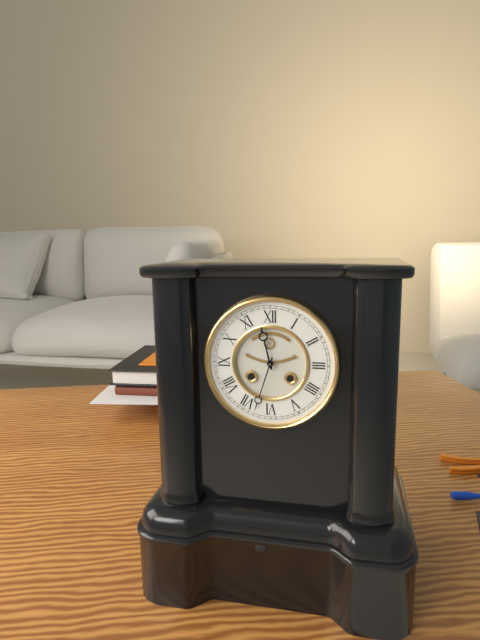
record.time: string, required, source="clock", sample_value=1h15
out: 11h33
